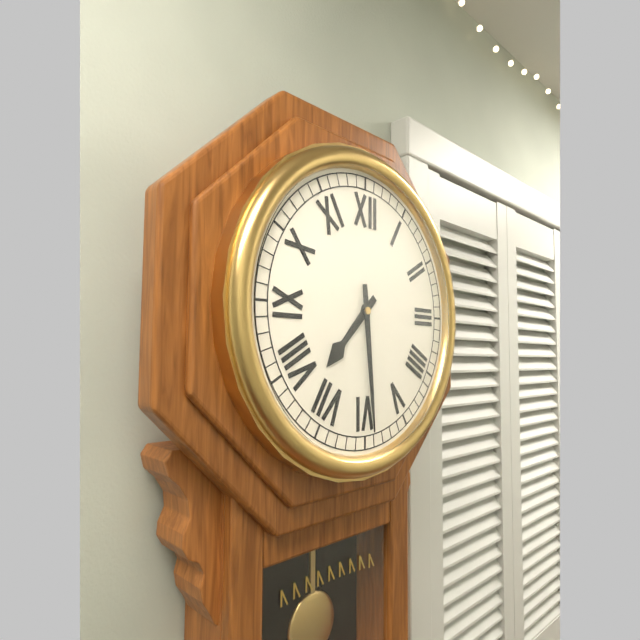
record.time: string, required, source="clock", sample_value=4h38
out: 7h29
